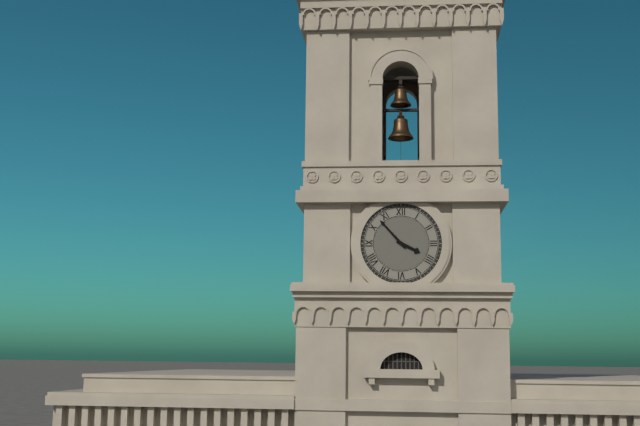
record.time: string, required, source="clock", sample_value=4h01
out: 3h53
